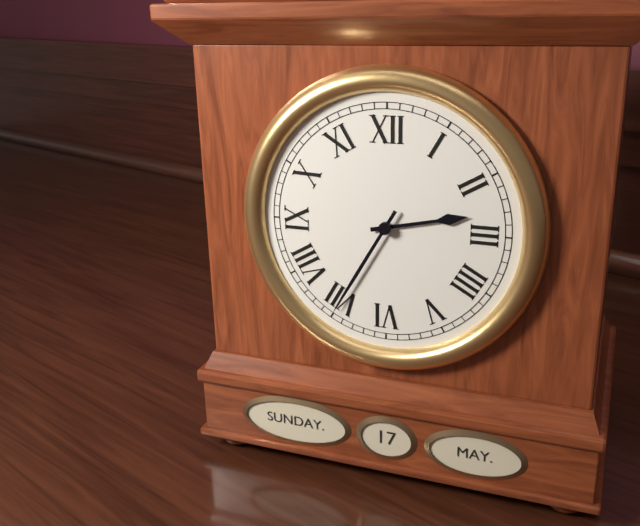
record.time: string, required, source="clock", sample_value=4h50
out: 2h35
